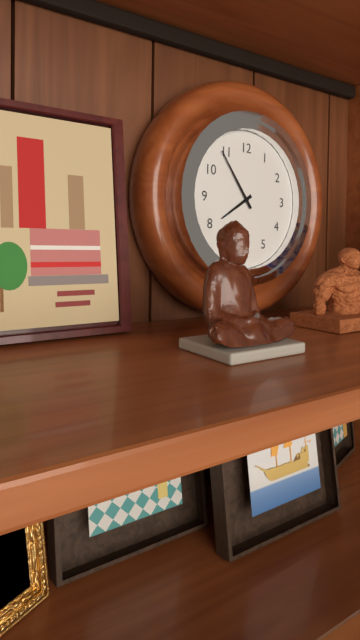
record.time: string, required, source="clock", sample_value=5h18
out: 7h54
